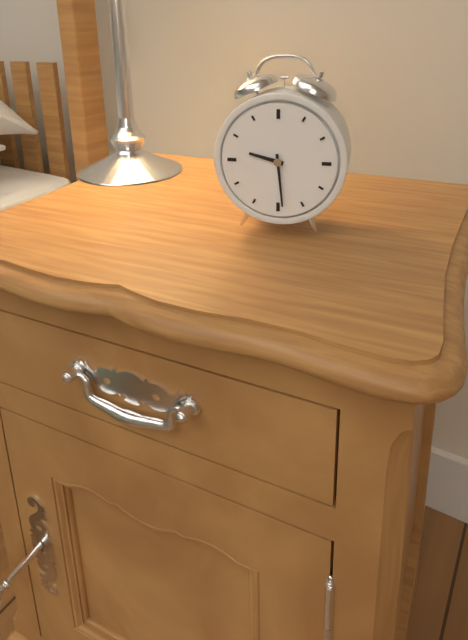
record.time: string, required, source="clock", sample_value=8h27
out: 9h29
